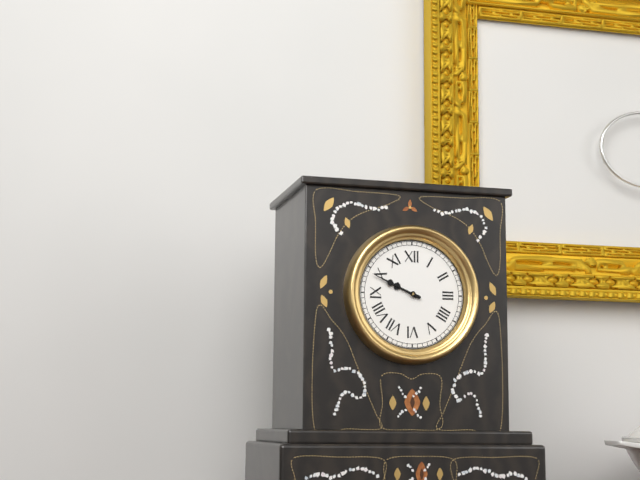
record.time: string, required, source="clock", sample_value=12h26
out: 9h49
